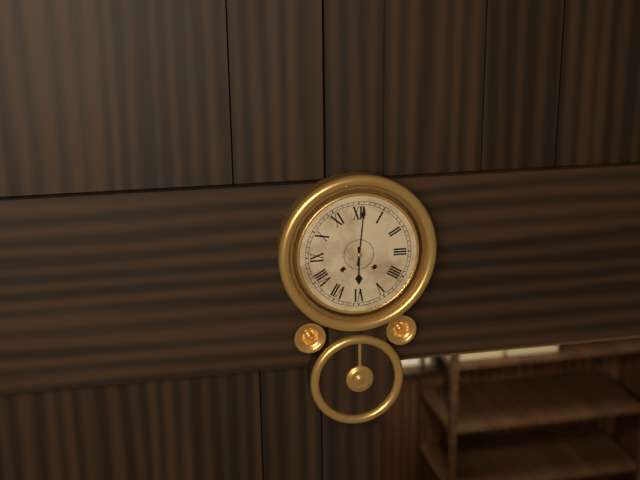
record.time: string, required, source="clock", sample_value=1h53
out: 6h01
